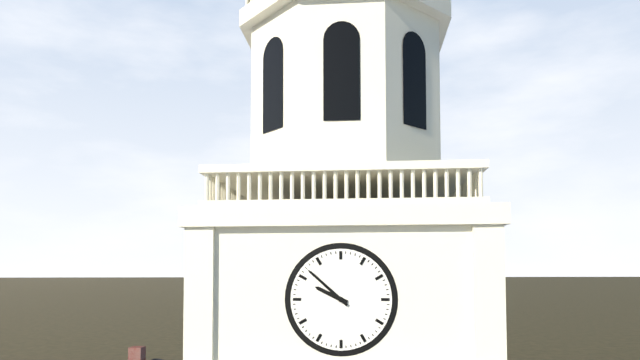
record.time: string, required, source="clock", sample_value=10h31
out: 9h52
